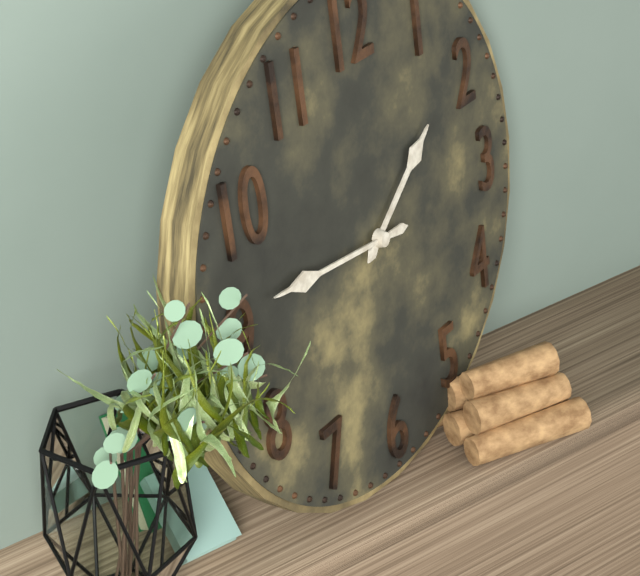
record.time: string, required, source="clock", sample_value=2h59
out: 1h46
